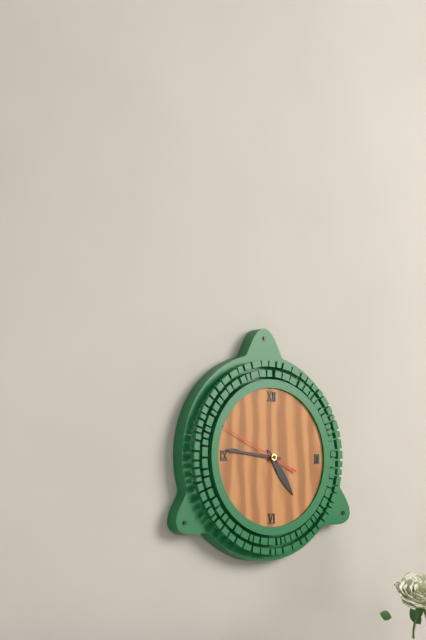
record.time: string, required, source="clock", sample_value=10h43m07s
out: 4h46m49s
